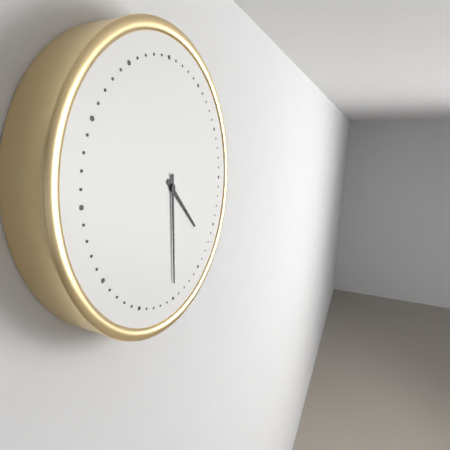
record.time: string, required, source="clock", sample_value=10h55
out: 4h30
